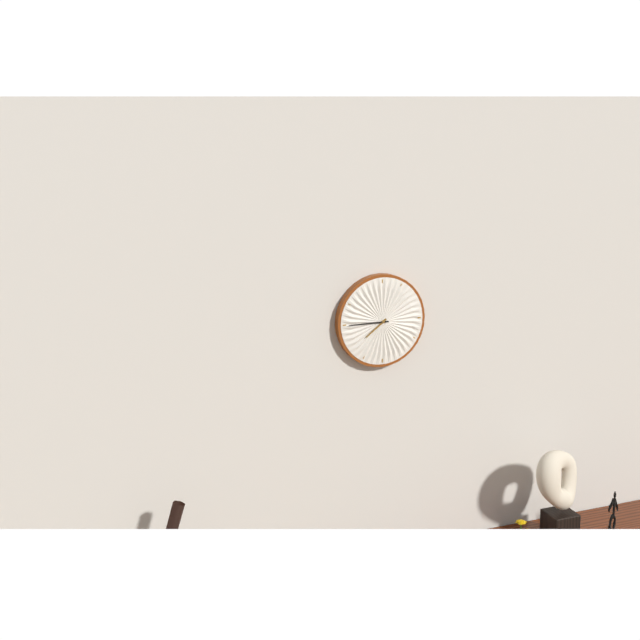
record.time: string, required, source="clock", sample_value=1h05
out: 7h45
